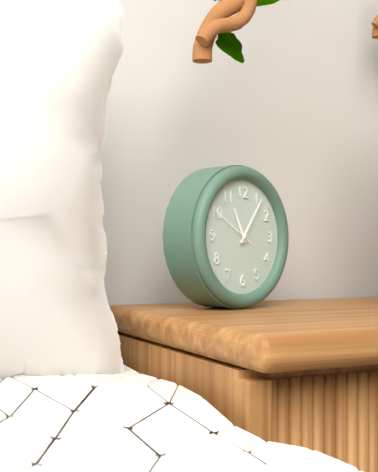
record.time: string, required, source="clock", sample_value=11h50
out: 11h06
